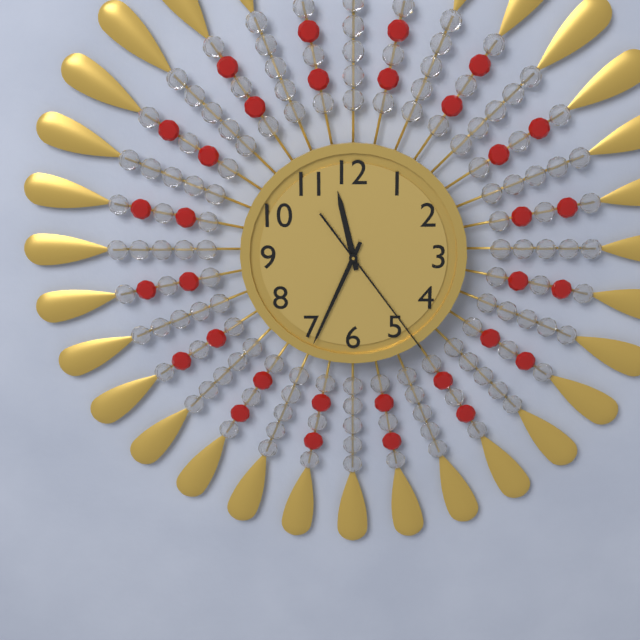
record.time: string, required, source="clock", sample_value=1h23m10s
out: 11h34m24s
